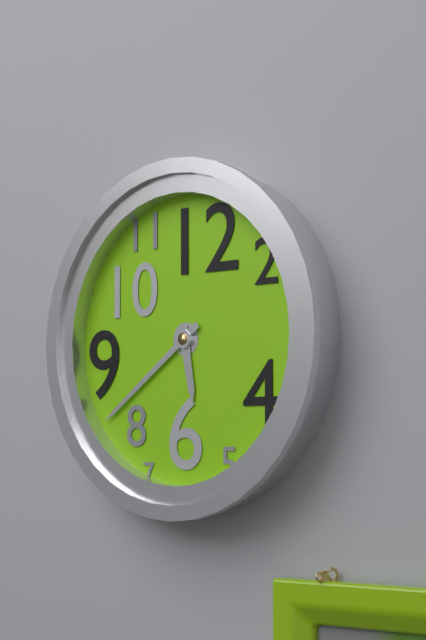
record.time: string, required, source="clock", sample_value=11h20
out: 5h39
